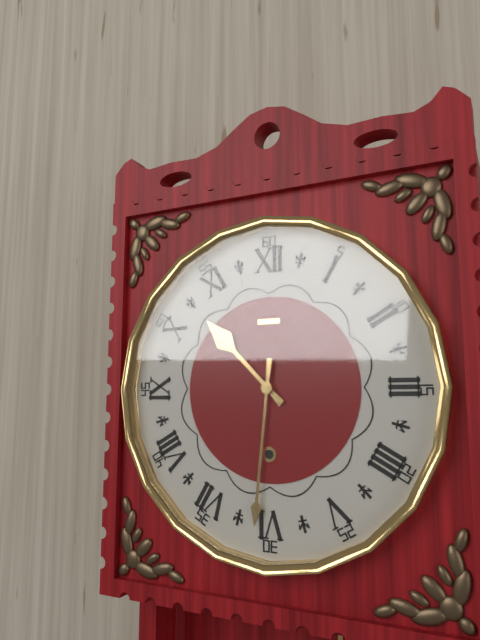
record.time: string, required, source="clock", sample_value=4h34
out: 10h31
